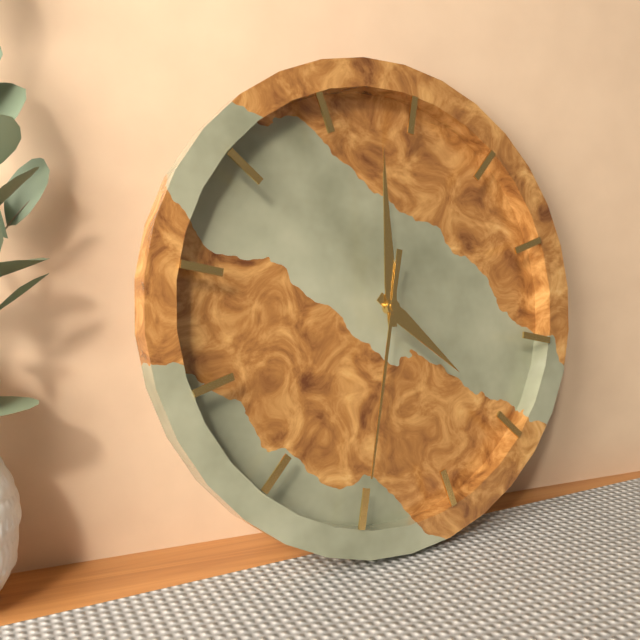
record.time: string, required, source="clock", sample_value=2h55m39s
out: 3h58m30s
